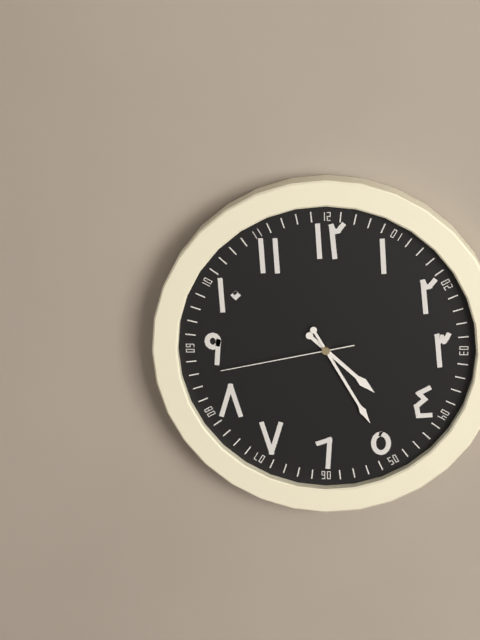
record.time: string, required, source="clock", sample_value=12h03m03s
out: 4h25m43s
